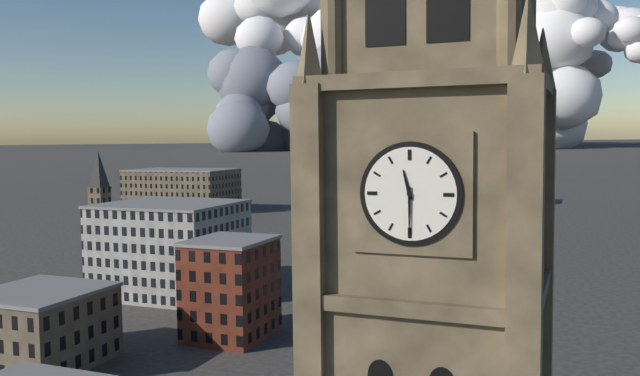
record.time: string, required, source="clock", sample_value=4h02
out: 11h30
